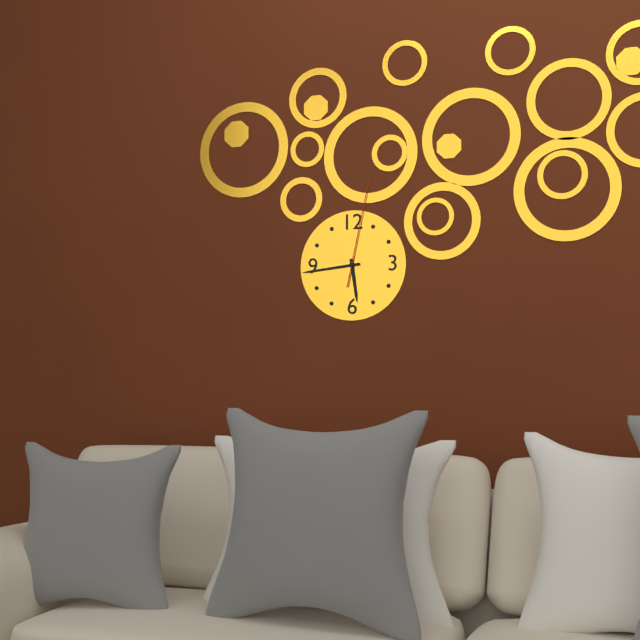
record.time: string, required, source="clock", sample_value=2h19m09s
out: 5h44m02s
